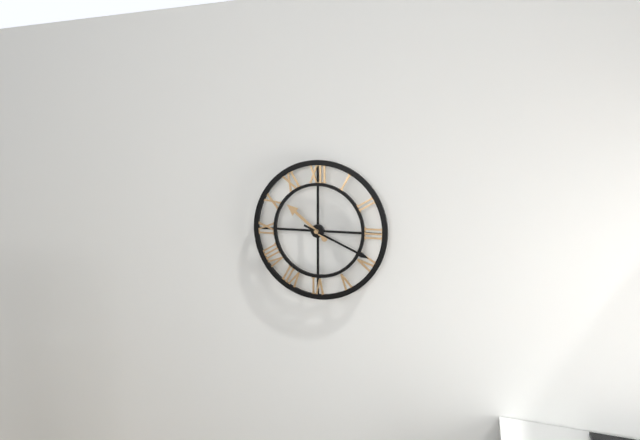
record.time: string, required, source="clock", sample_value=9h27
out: 10h19
